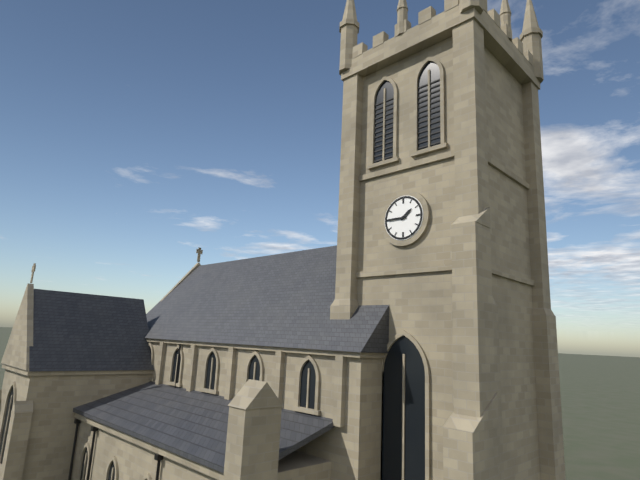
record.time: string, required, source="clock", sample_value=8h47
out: 1h45
